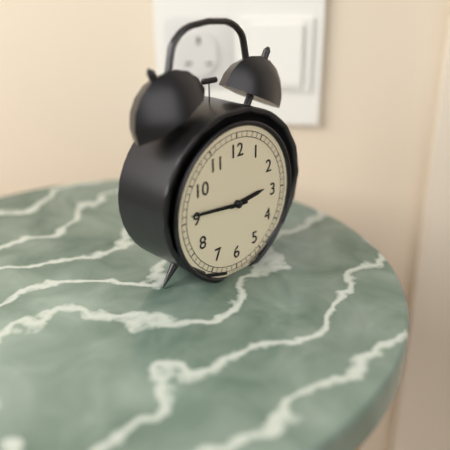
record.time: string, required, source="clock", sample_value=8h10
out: 2h46
